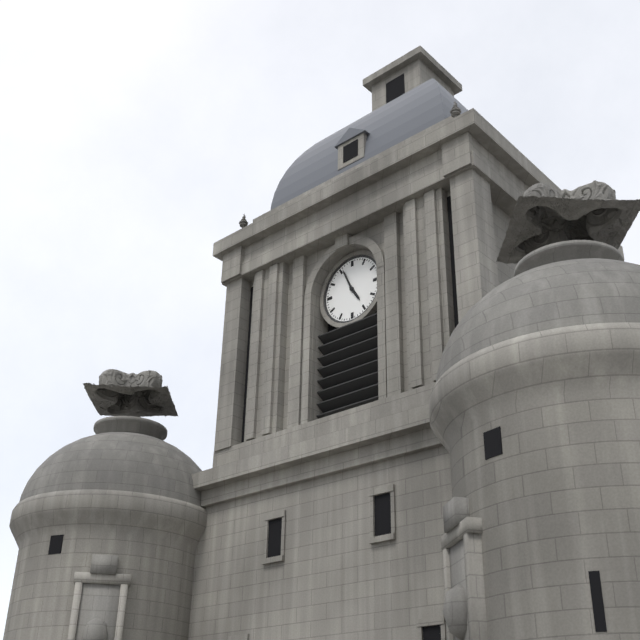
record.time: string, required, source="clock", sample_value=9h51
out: 4h56
